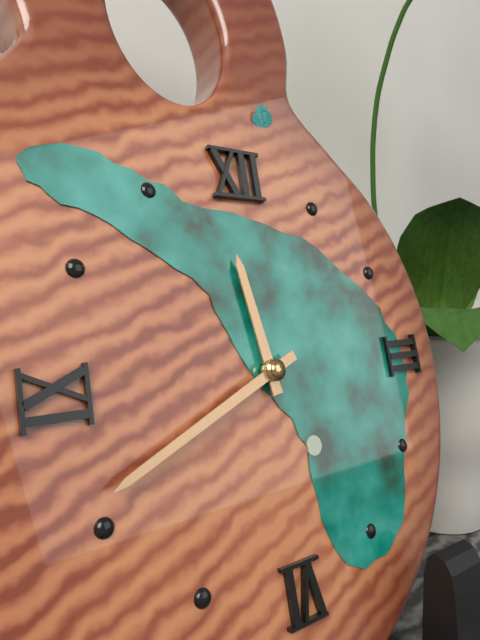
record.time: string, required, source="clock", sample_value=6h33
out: 11h41
